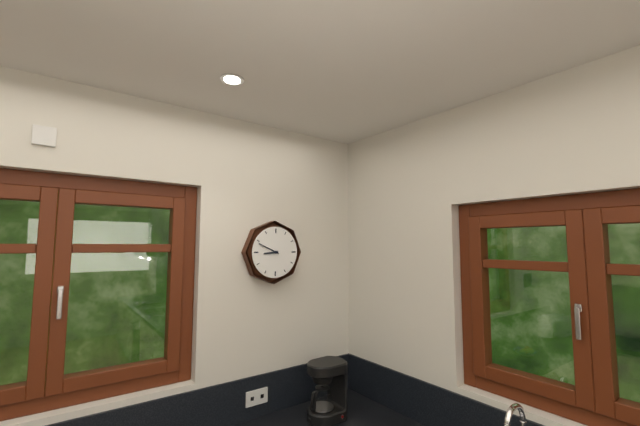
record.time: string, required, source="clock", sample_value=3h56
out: 8h49
